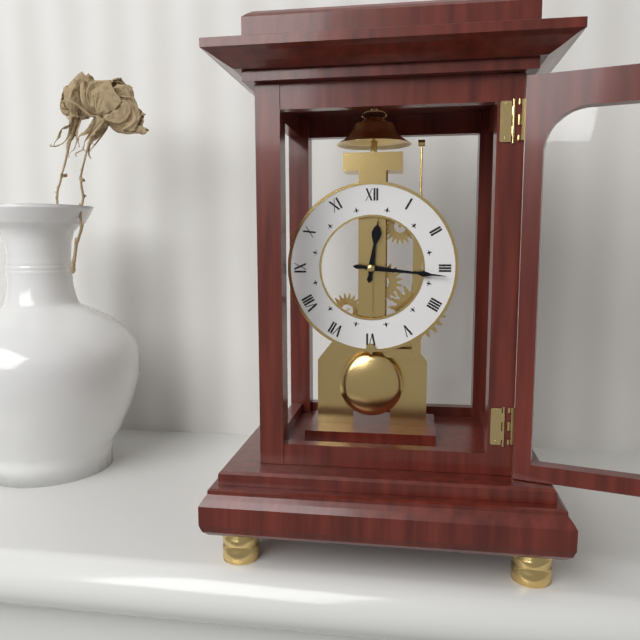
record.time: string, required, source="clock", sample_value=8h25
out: 12h16
